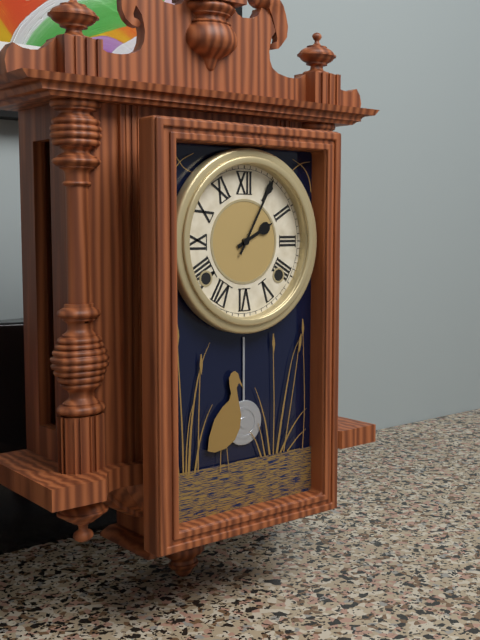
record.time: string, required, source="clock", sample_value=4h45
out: 2h05
